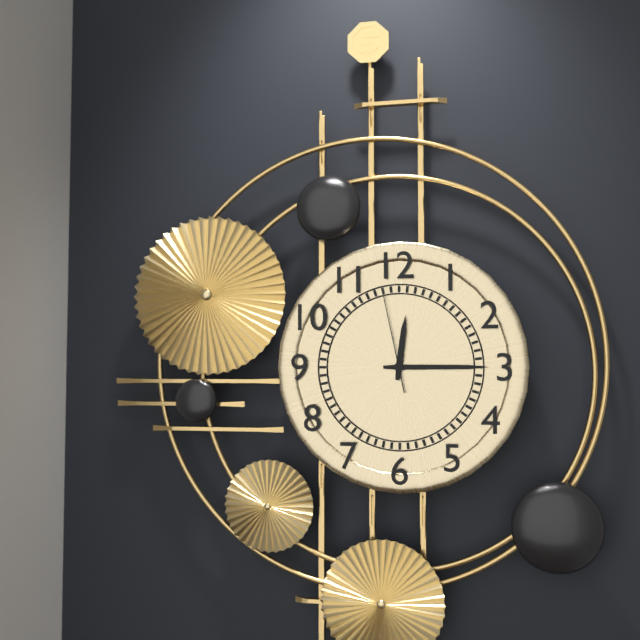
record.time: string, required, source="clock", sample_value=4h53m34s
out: 12h15m58s
